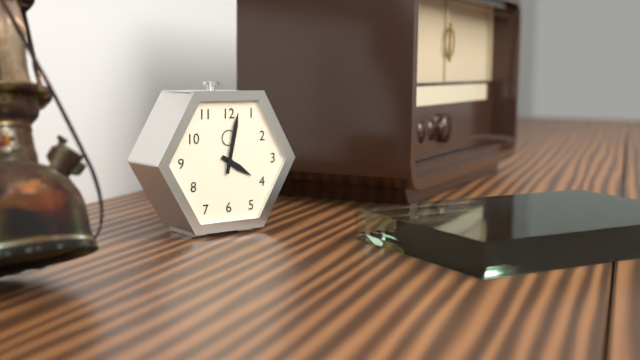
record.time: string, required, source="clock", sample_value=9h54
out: 4h02
